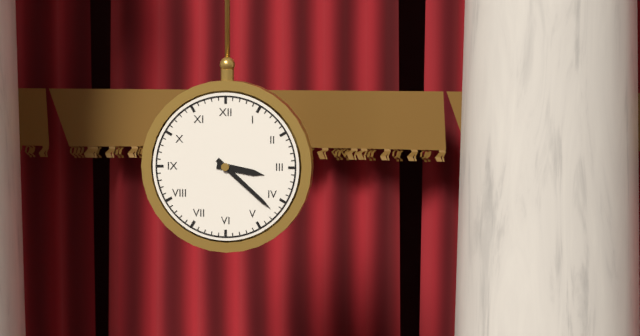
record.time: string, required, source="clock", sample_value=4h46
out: 3h22
